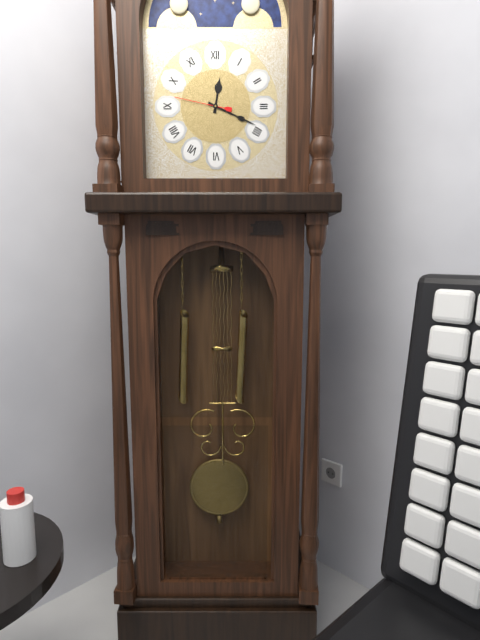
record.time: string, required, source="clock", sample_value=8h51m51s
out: 12h19m47s
